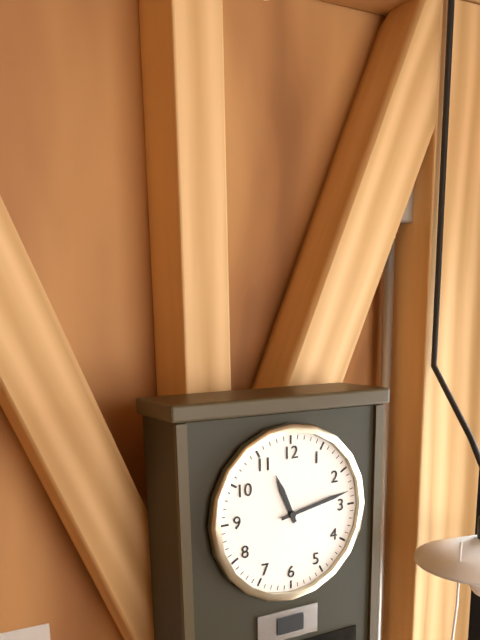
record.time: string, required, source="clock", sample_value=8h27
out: 11h13
